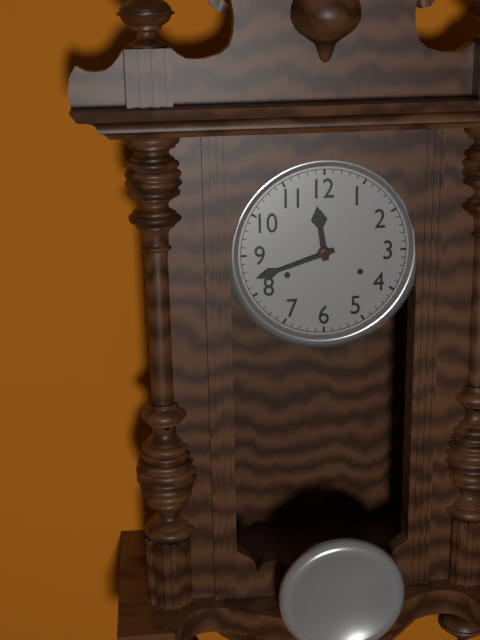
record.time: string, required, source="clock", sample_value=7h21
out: 11h42
